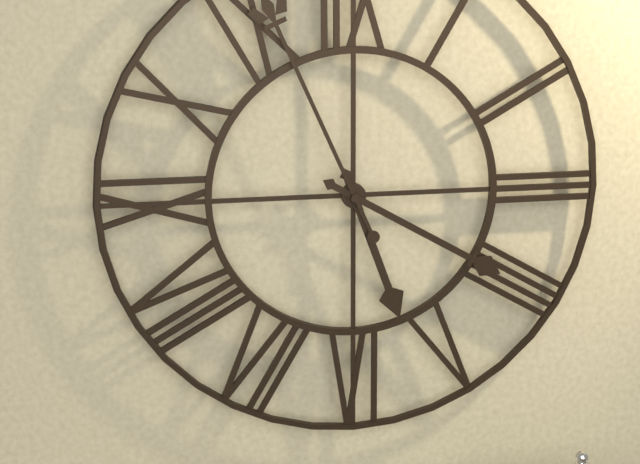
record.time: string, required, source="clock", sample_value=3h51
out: 5h20
